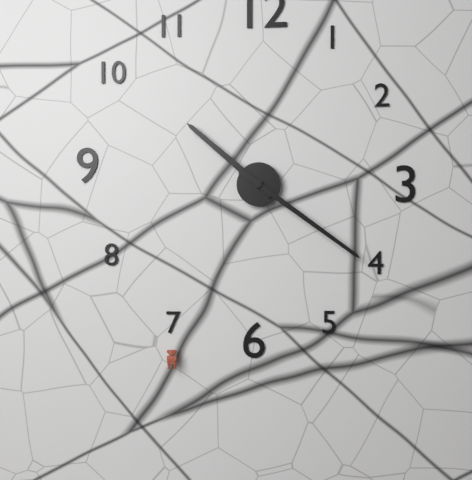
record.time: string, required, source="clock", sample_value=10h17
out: 10h21
